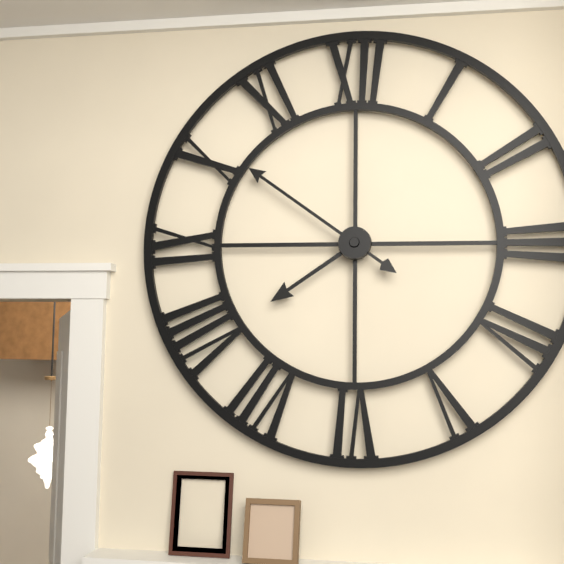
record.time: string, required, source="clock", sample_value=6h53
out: 7h51
